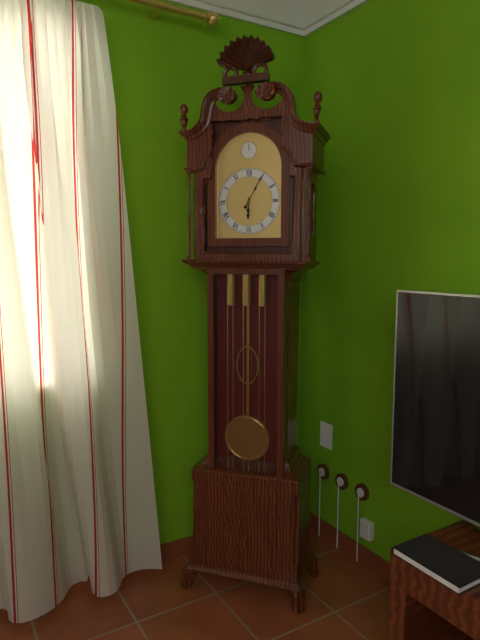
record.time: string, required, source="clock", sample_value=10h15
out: 6h05
